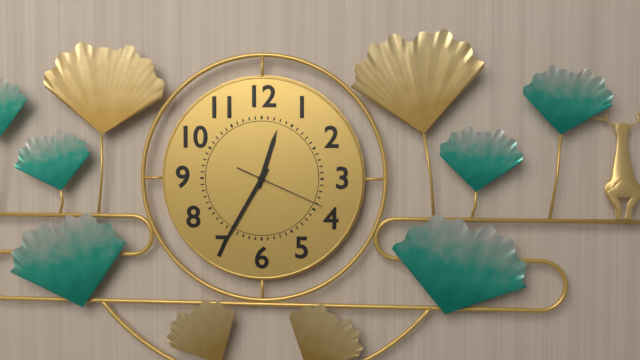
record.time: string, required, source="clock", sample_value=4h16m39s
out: 12h35m19s
